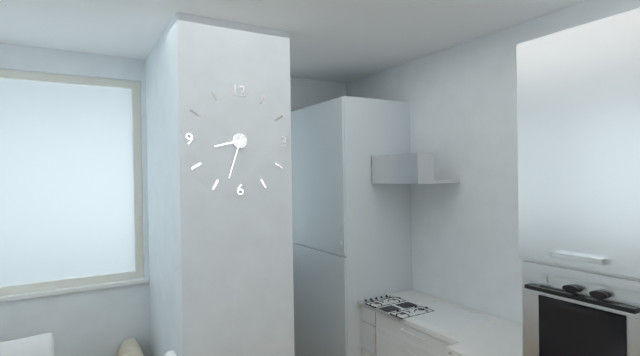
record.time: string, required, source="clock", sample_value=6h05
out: 8h33
